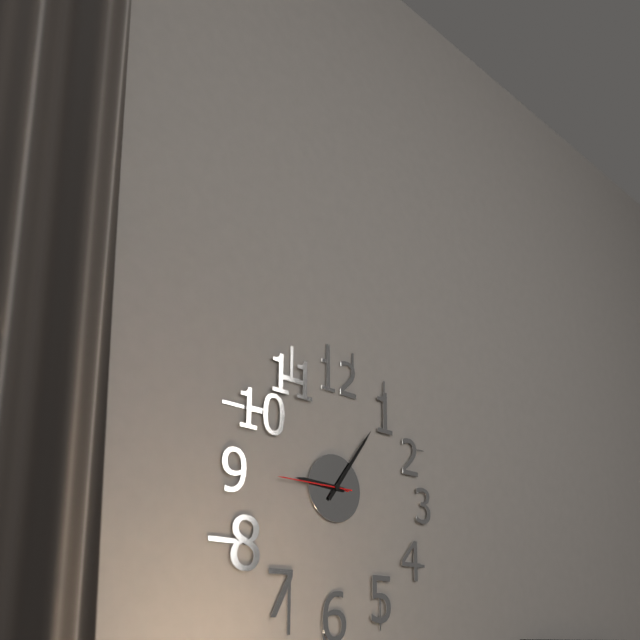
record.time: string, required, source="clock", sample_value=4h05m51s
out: 9h06m45s
